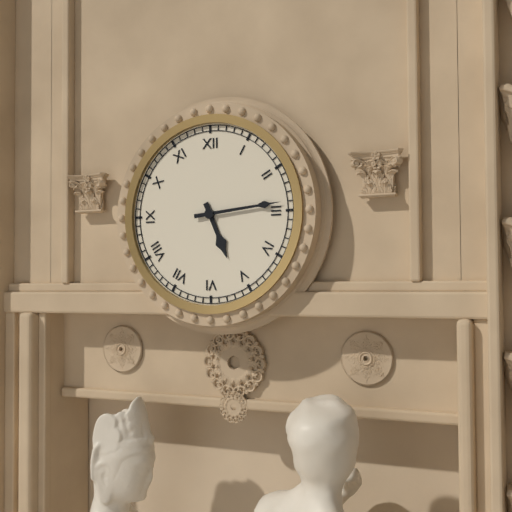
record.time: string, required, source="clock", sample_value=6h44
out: 5h14
